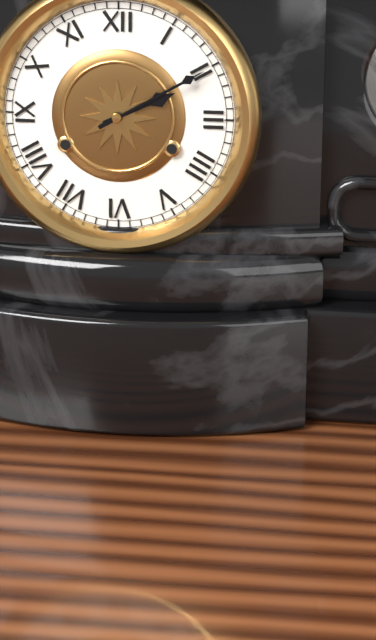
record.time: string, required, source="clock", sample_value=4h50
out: 2h10
